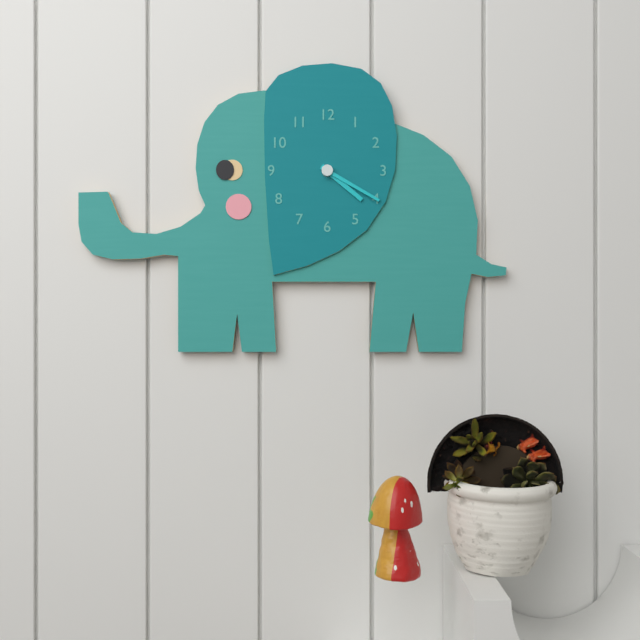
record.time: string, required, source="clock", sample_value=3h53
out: 4h20
